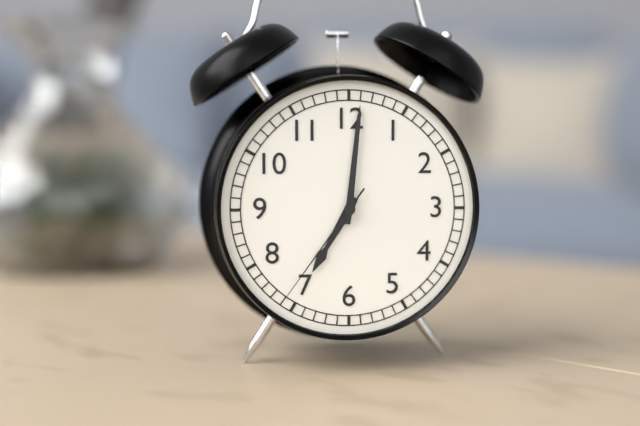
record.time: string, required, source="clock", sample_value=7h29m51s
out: 7h01m36s
